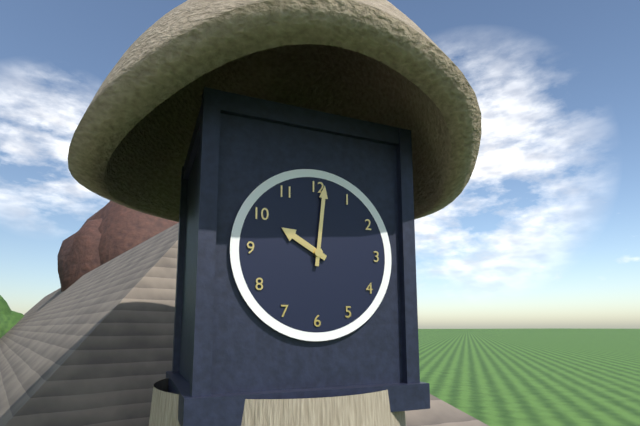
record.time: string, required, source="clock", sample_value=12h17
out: 10h01
